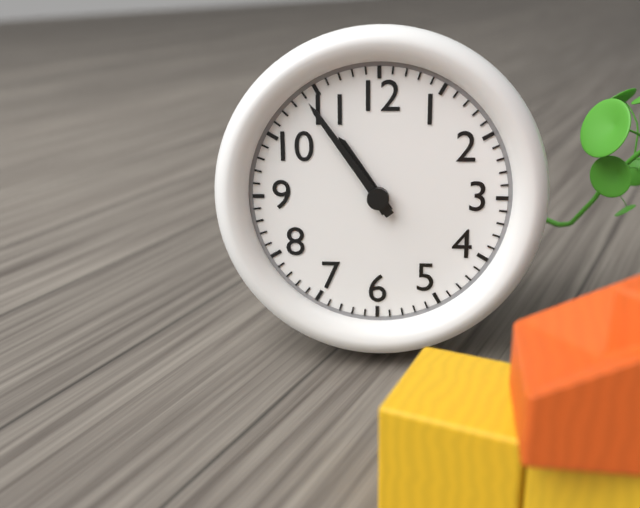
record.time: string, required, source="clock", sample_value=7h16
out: 10h54
